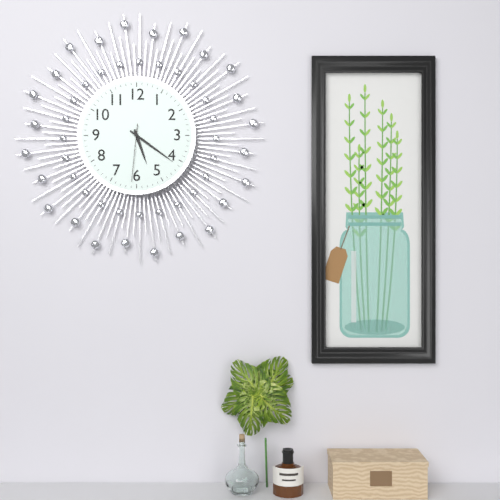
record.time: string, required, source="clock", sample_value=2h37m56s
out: 5h21m31s
